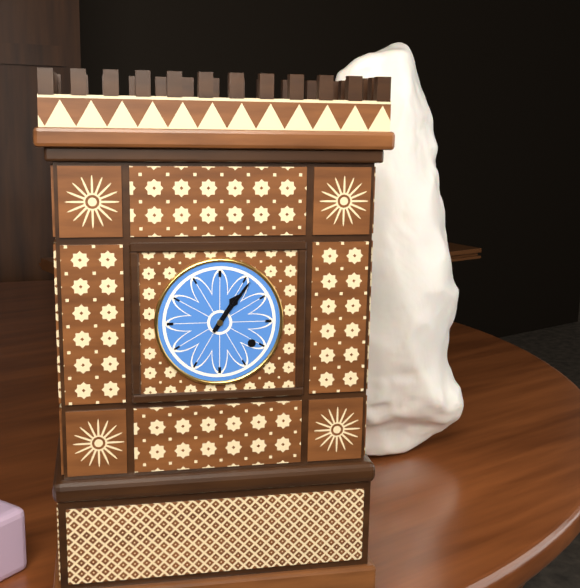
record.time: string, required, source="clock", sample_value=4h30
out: 1h06
